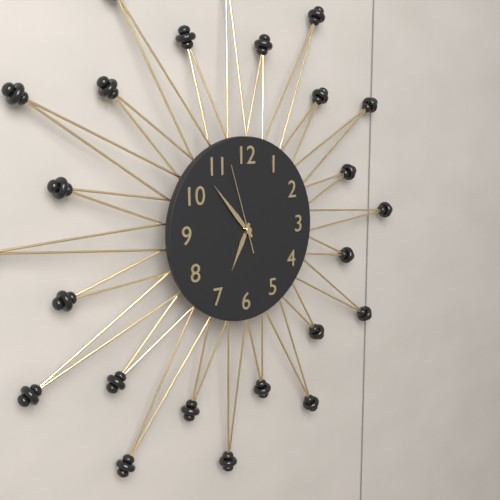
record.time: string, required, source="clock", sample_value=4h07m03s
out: 6h53m57s
